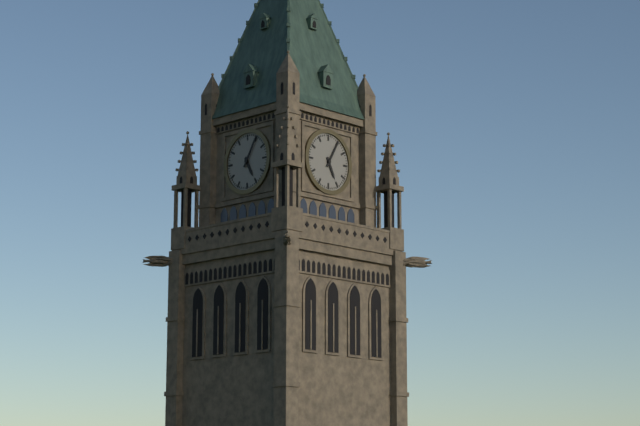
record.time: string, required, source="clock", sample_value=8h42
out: 5h05
